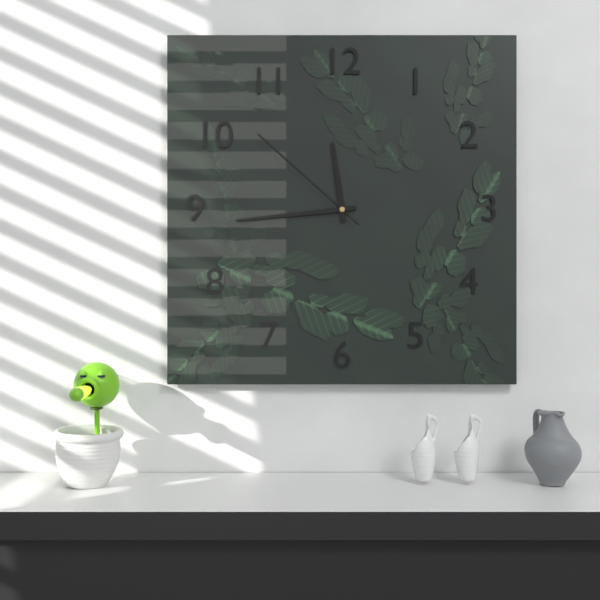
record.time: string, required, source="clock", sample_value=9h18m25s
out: 11h44m52s
